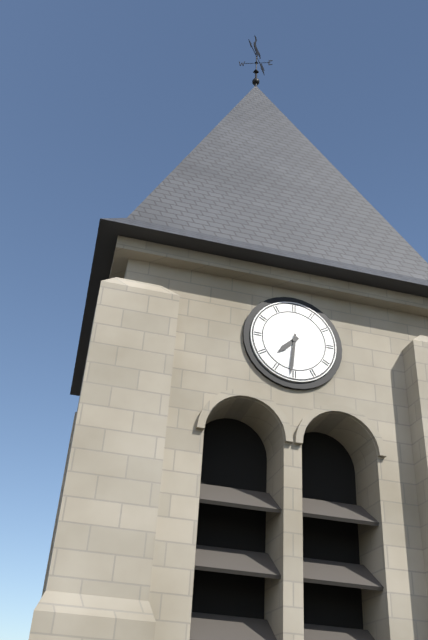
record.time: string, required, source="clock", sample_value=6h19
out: 7h31
